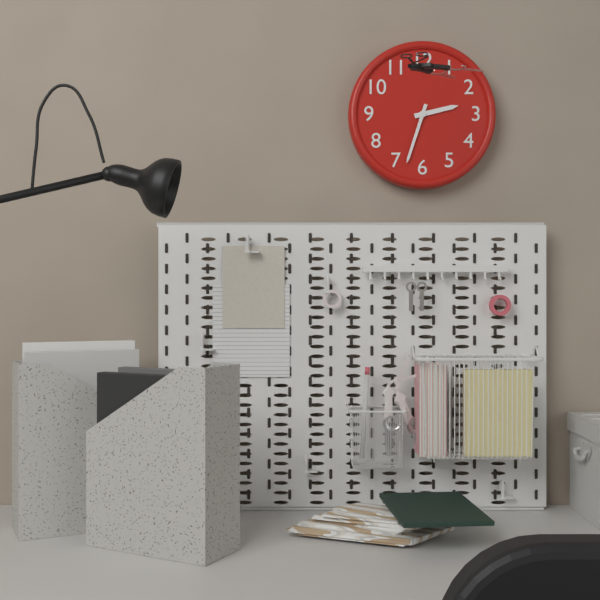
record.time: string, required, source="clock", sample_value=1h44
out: 2h33
